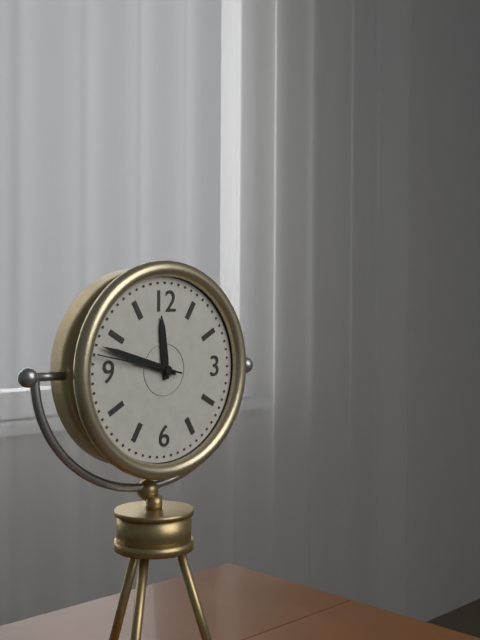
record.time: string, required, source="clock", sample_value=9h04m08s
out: 11h48m47s
